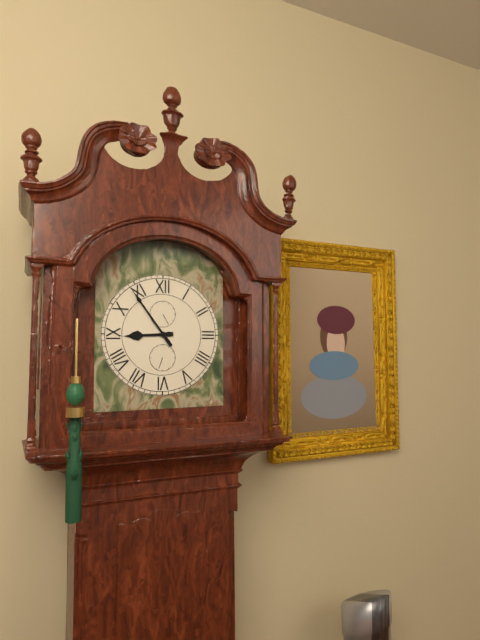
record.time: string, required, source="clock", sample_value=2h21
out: 8h54
